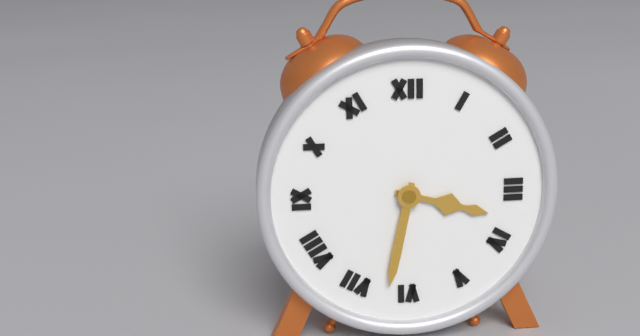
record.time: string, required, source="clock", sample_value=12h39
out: 3h32
